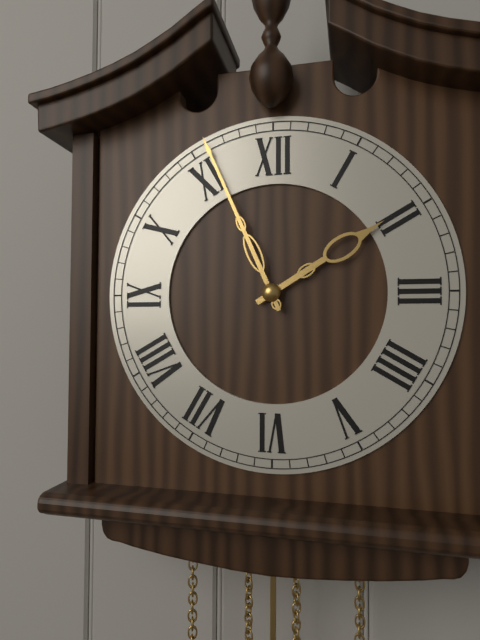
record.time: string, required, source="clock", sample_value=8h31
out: 1h56
